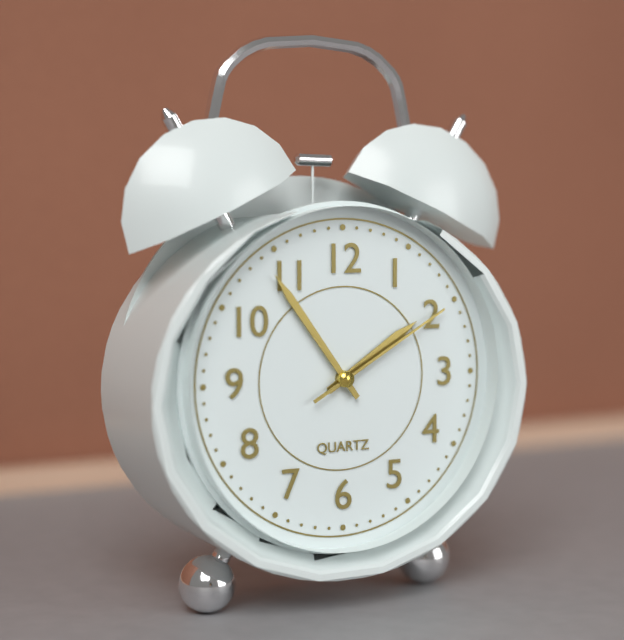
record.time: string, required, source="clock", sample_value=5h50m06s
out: 1h54m10s
